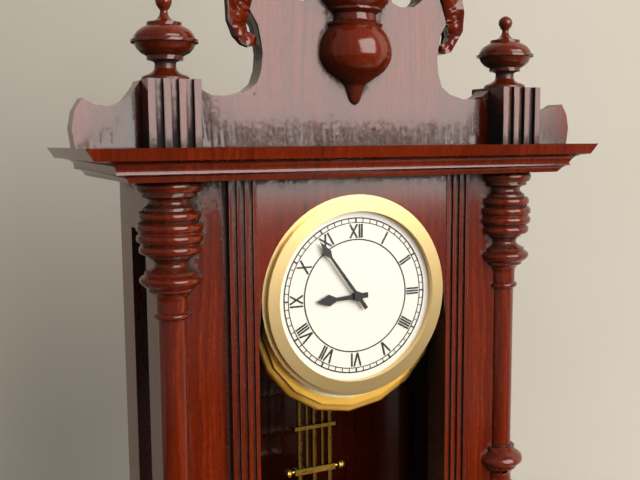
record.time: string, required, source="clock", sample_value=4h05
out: 8h54
